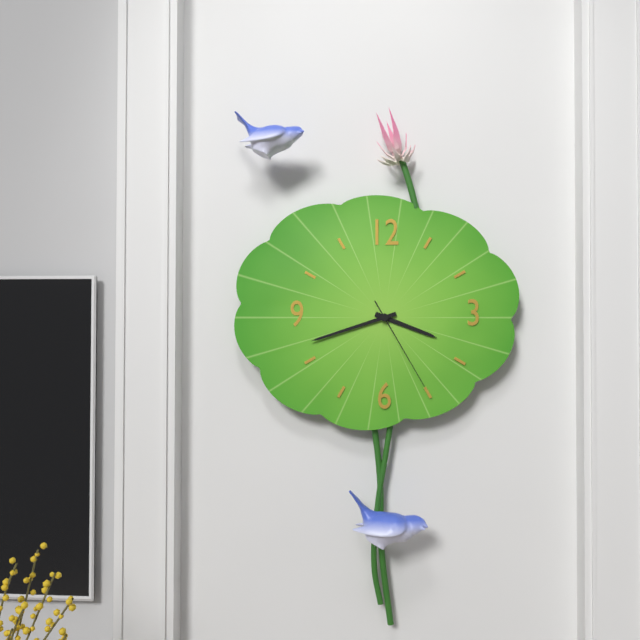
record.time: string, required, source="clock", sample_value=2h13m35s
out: 3h42m25s
